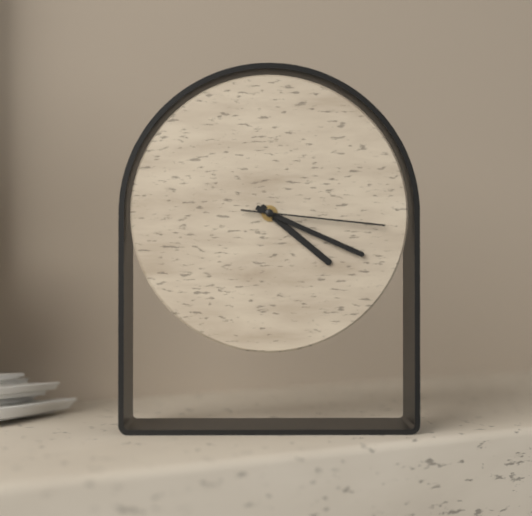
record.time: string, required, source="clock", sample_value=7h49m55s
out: 4h19m16s
